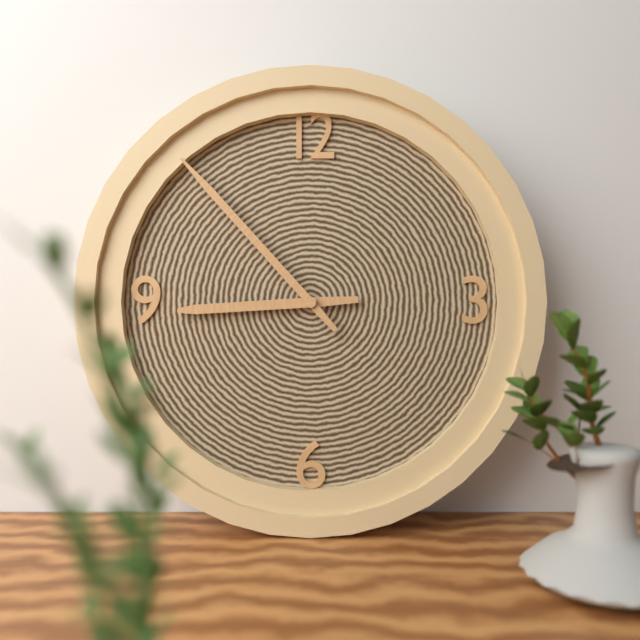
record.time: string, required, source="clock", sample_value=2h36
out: 8h53
